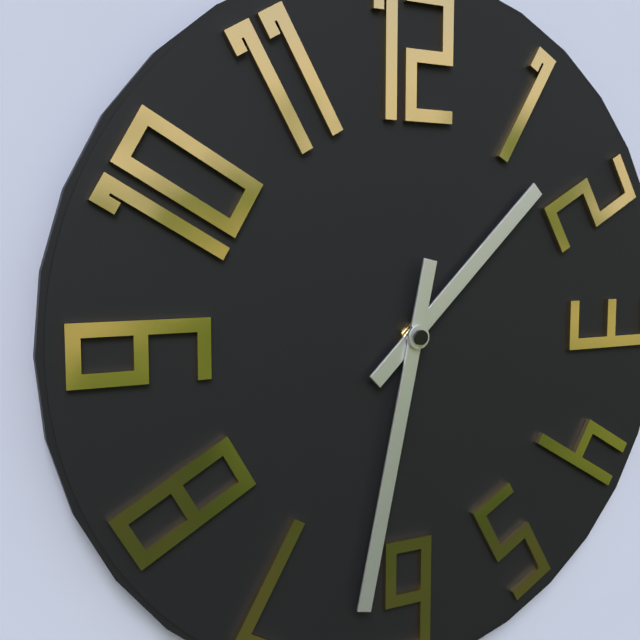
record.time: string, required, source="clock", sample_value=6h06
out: 1h32
